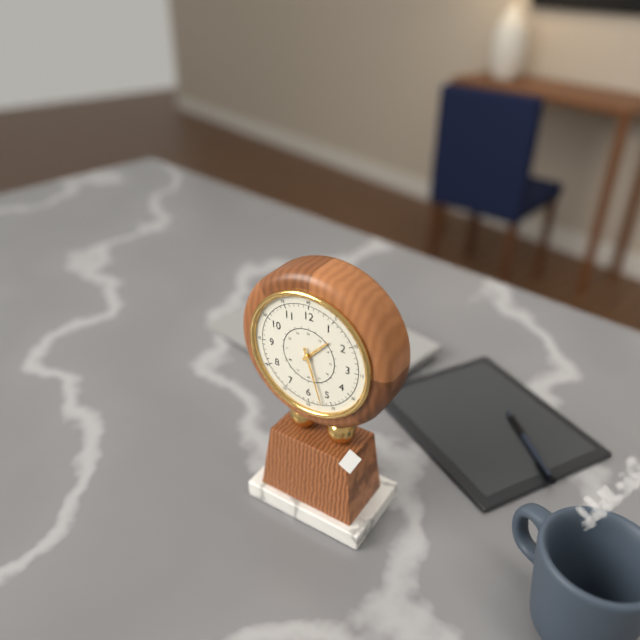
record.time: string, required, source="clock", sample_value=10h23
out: 1h27
